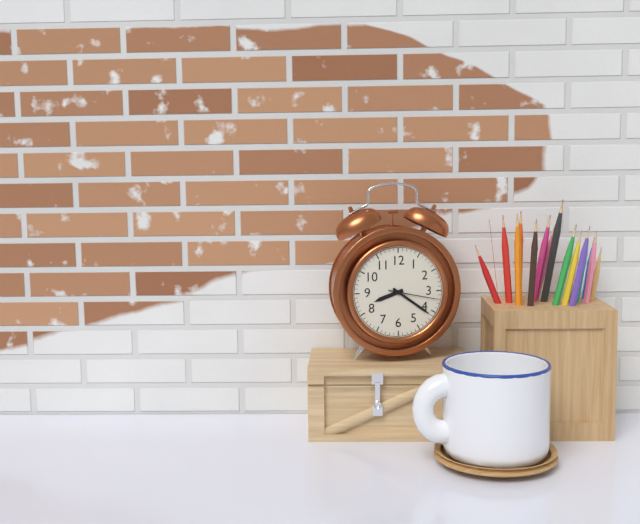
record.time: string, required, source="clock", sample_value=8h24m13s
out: 8h21m17s
